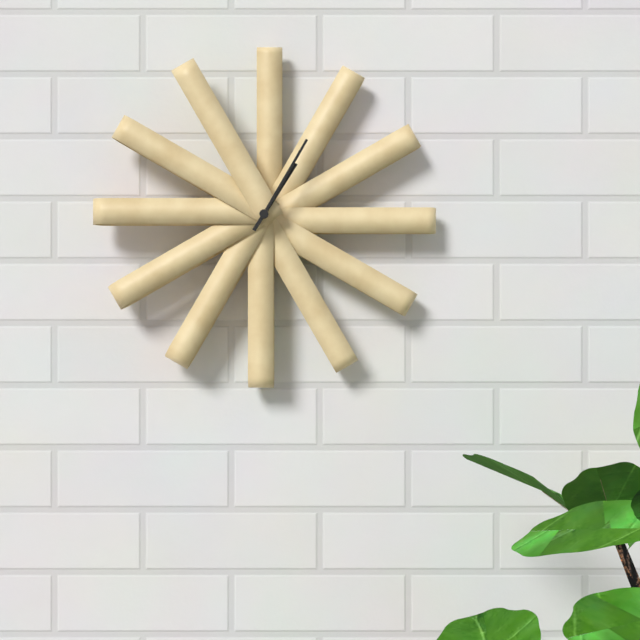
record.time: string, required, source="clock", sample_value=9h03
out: 1h05
